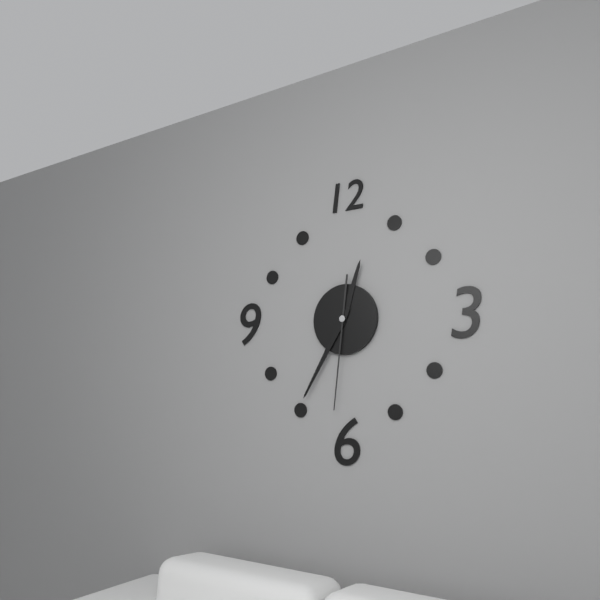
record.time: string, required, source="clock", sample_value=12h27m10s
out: 12h35m31s
